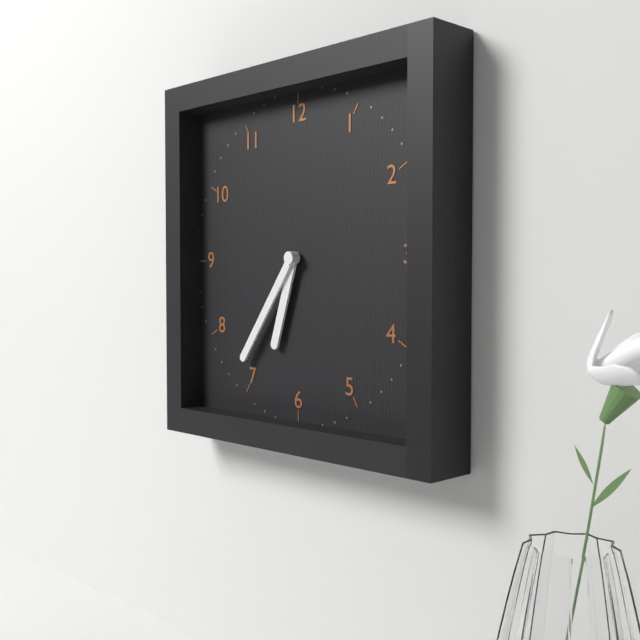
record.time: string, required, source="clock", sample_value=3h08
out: 6h36
